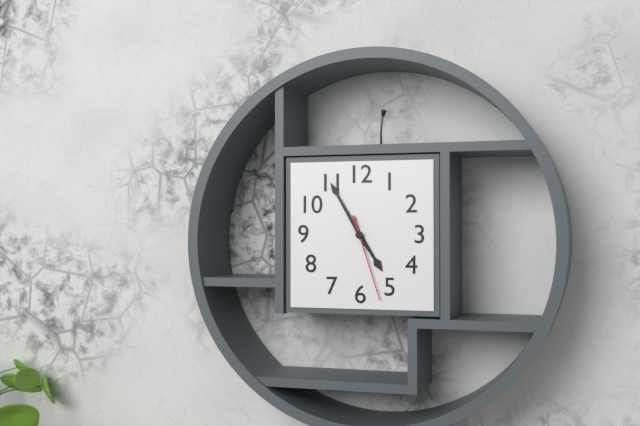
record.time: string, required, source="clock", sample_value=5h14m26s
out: 4h55m27s
